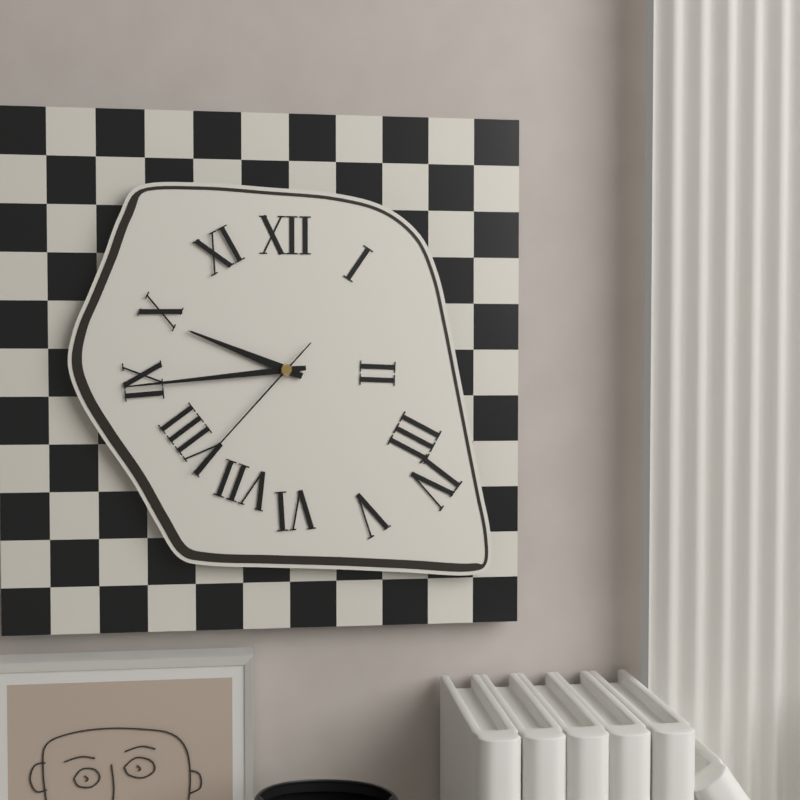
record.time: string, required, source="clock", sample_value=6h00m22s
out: 9h44m37s
